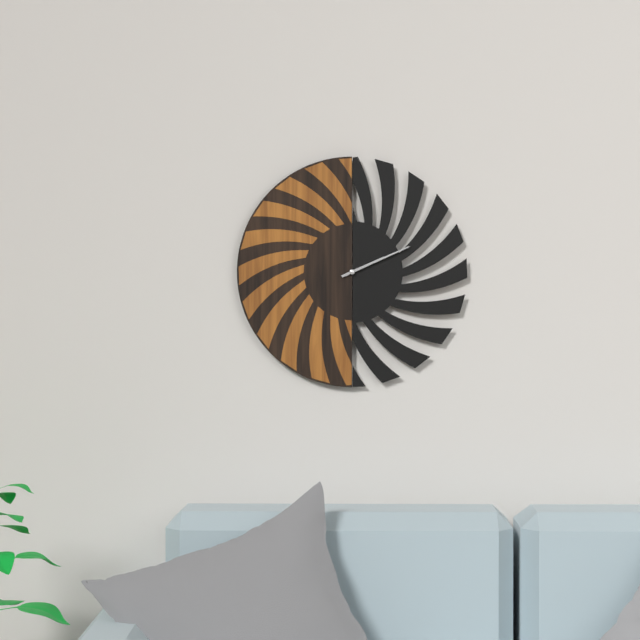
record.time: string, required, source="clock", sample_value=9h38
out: 2h11
